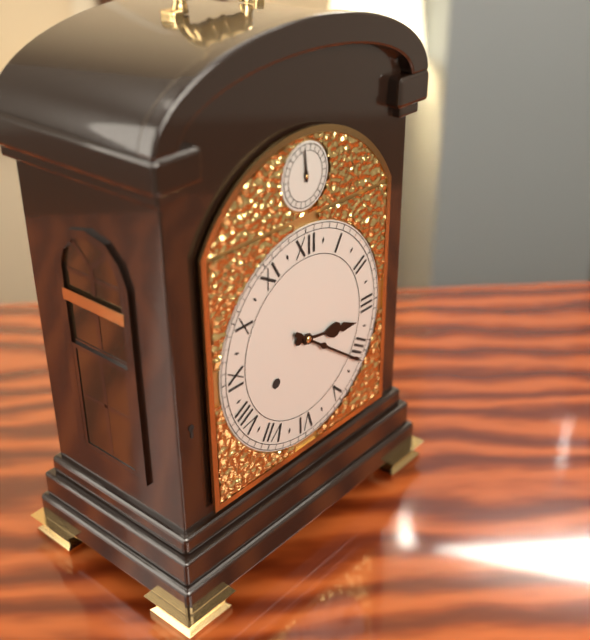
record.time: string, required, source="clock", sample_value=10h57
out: 3h21
